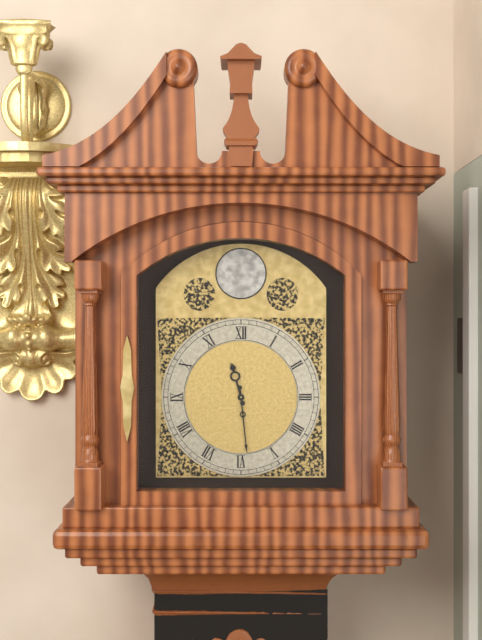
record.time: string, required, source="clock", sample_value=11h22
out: 11h29
